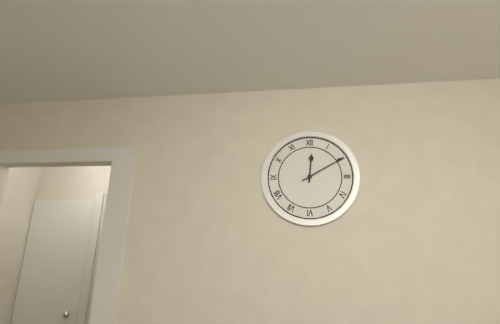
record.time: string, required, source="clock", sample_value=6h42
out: 12h10
